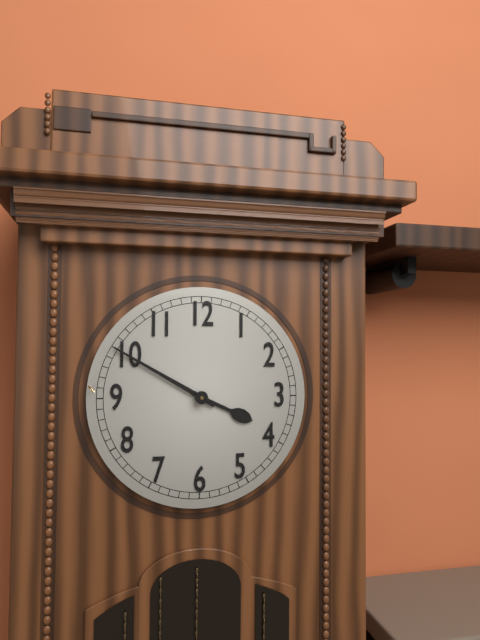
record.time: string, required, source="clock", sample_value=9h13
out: 3h50
